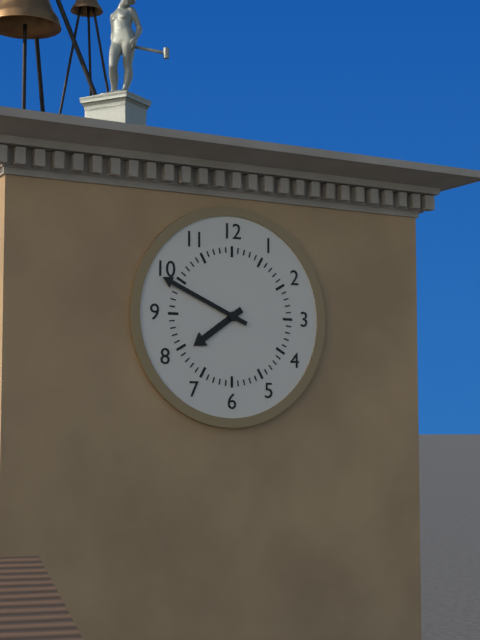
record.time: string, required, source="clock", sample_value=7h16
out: 7h49
